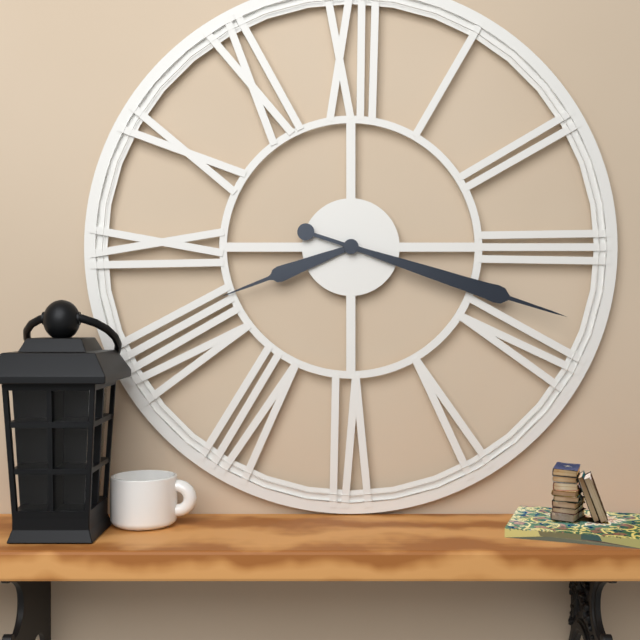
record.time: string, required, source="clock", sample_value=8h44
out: 8h18
